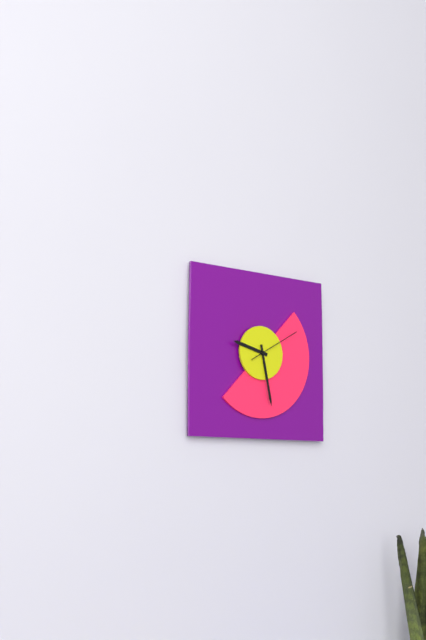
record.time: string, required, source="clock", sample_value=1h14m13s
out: 9h28m10s
